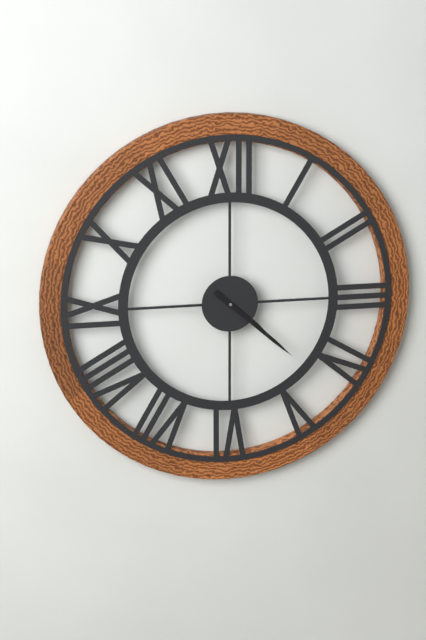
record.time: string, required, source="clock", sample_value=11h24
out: 4h22
